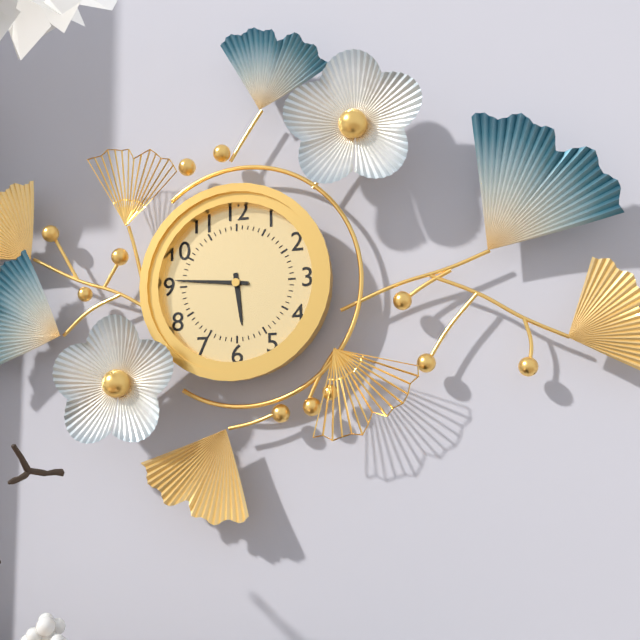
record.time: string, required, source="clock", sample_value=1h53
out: 5h46
